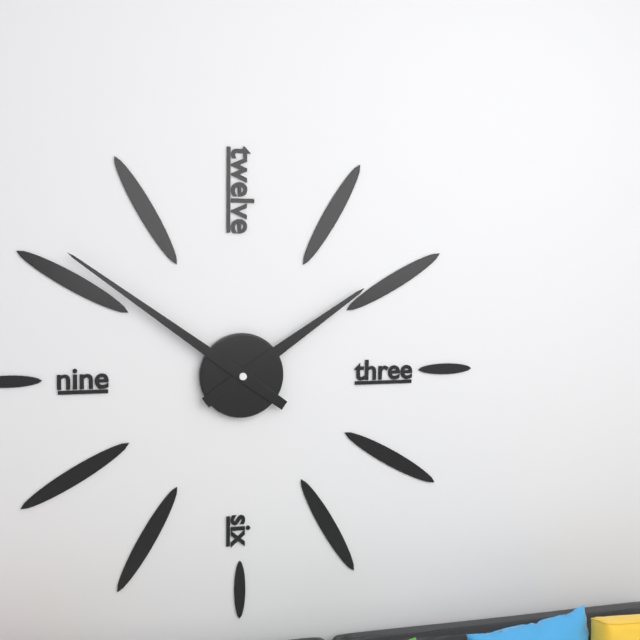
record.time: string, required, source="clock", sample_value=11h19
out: 1h51
